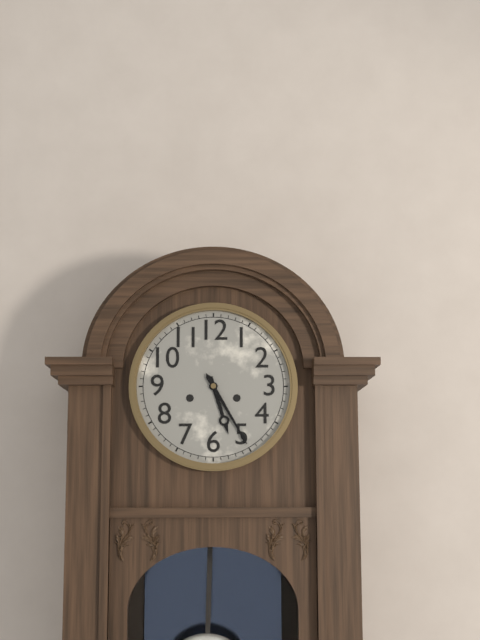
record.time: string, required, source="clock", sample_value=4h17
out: 5h25
